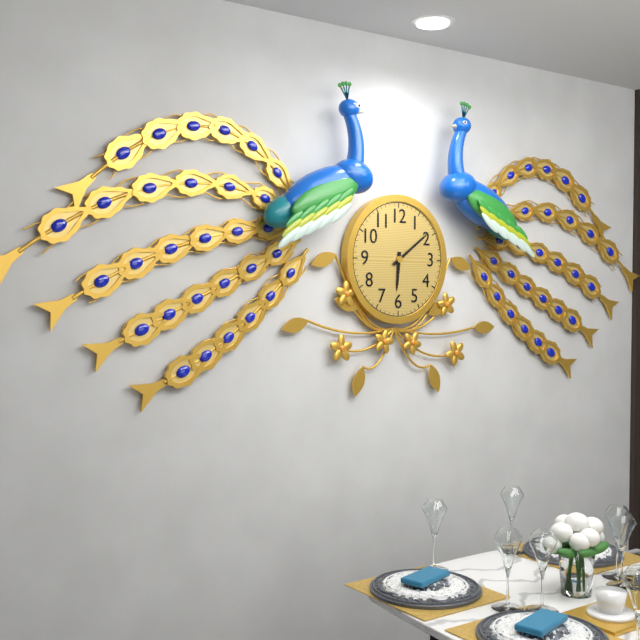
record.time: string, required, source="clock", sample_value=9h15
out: 6h09
